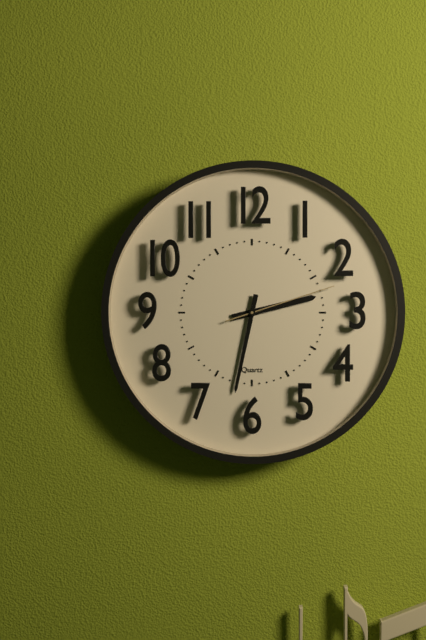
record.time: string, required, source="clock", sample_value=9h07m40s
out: 2h32m12s
